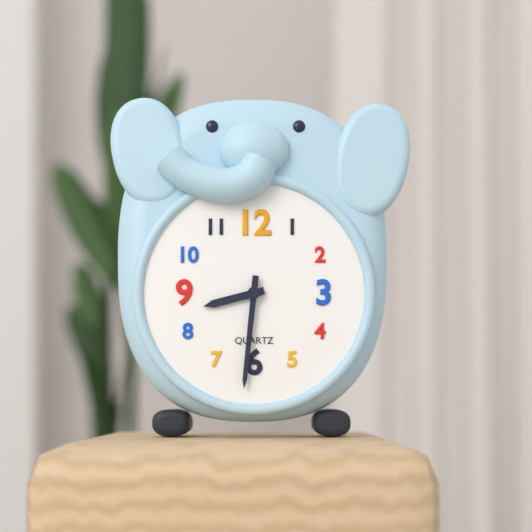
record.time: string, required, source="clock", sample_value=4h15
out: 8h31
